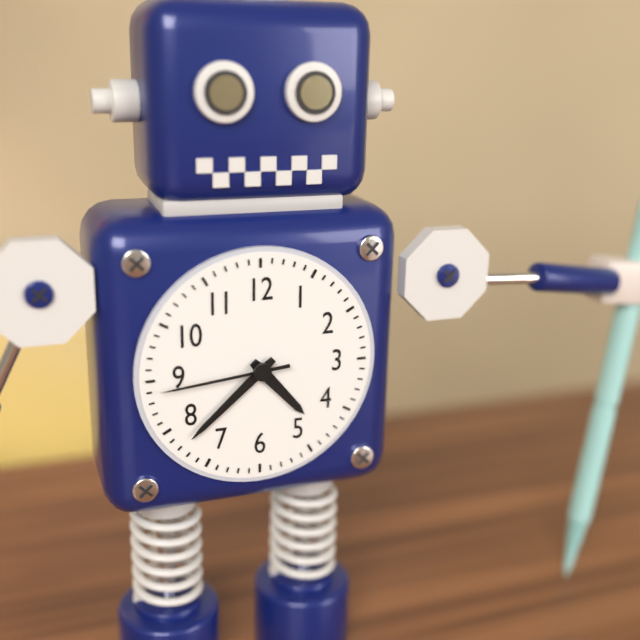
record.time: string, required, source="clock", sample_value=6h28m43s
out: 4h38m44s
